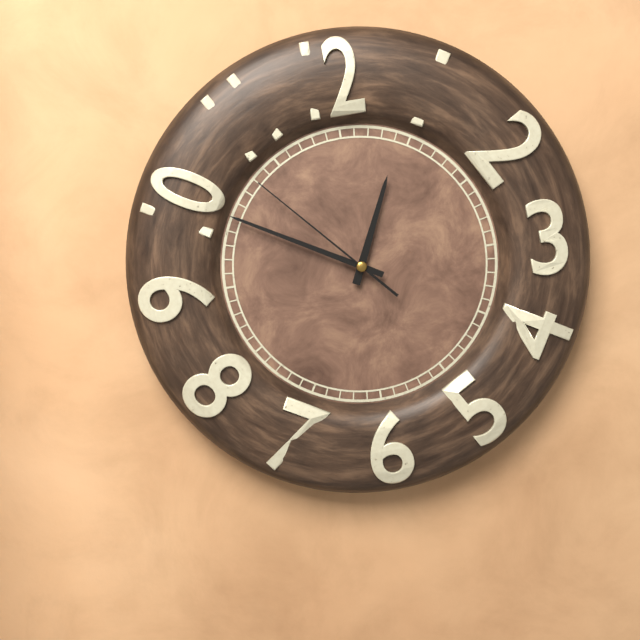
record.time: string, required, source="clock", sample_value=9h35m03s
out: 12h50m53s
